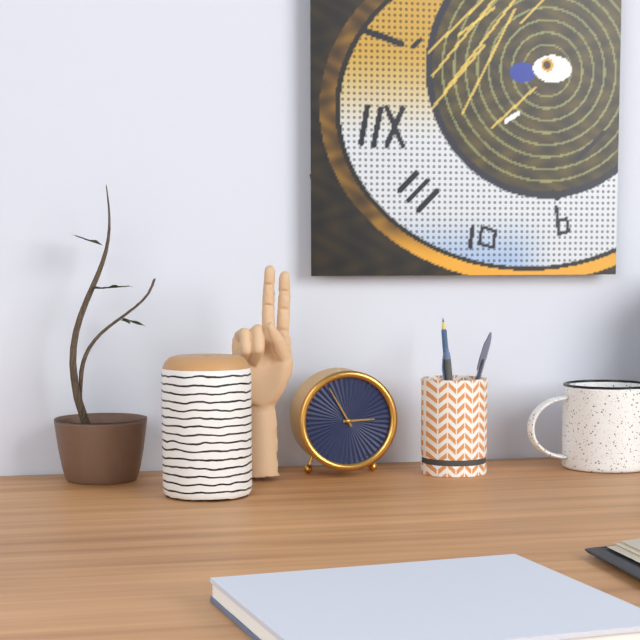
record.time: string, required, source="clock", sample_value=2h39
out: 2h55
